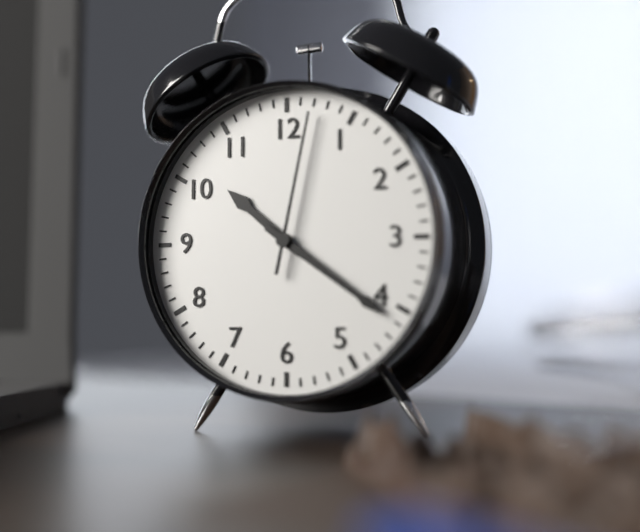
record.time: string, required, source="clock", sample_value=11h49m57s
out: 10h21m02s
